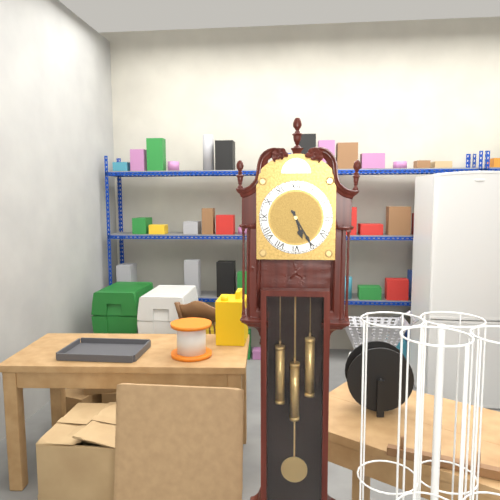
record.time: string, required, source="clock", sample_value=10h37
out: 5h25
